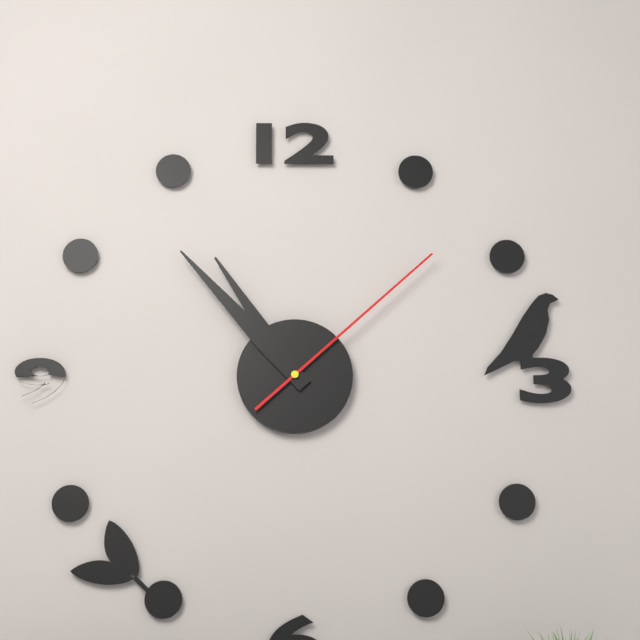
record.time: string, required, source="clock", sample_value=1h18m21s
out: 10h53m08s
